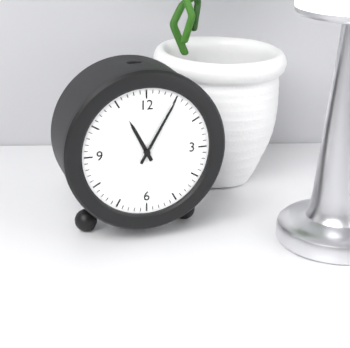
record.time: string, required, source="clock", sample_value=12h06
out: 11h05
